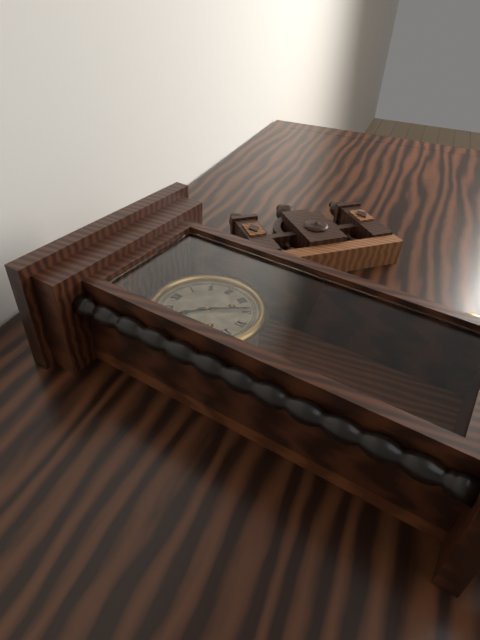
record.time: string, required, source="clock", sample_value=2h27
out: 10h24
